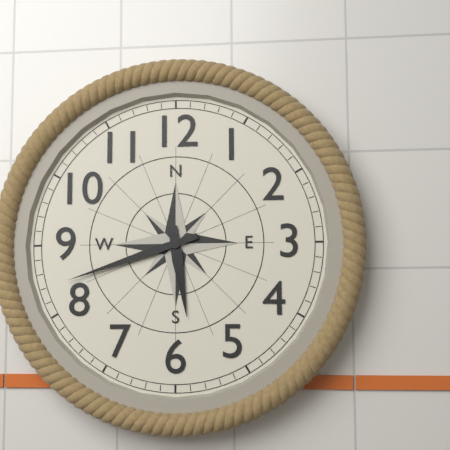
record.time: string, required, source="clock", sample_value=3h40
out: 5h42
